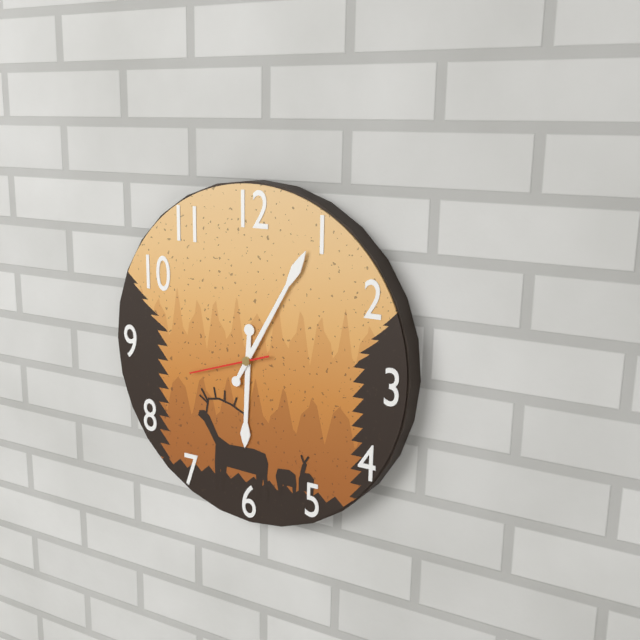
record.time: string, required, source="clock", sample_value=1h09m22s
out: 6h05m42s
